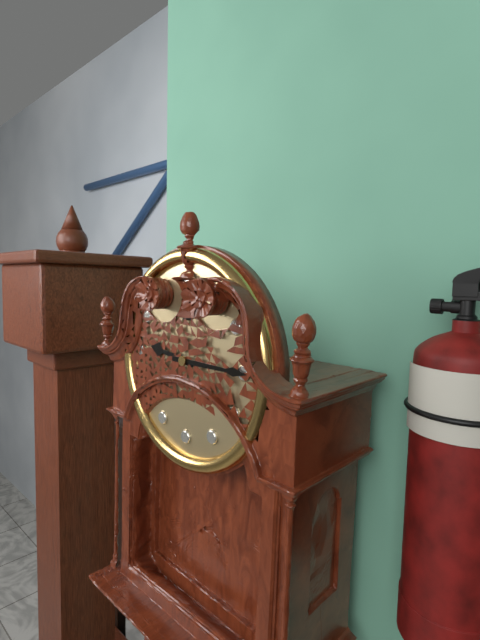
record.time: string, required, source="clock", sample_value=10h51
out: 9h15
